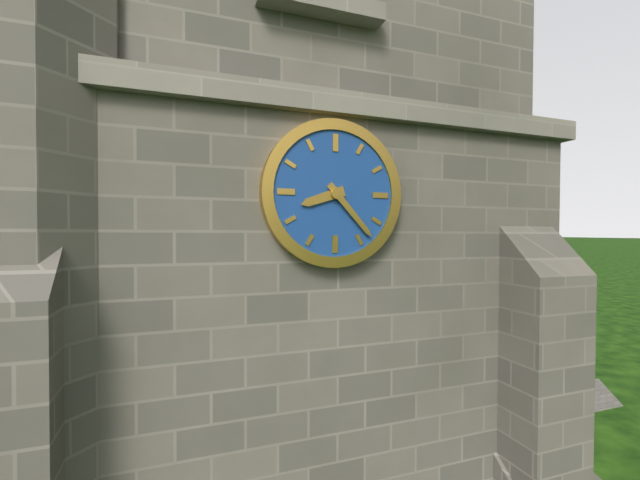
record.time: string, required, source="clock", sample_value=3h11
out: 8h23
